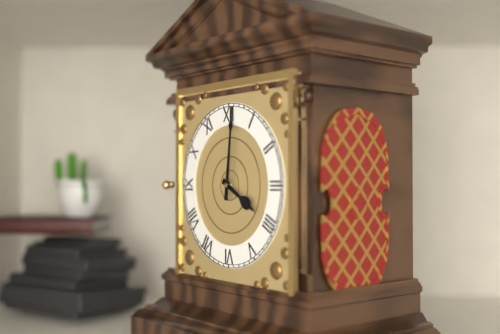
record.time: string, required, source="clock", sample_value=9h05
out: 4h01
